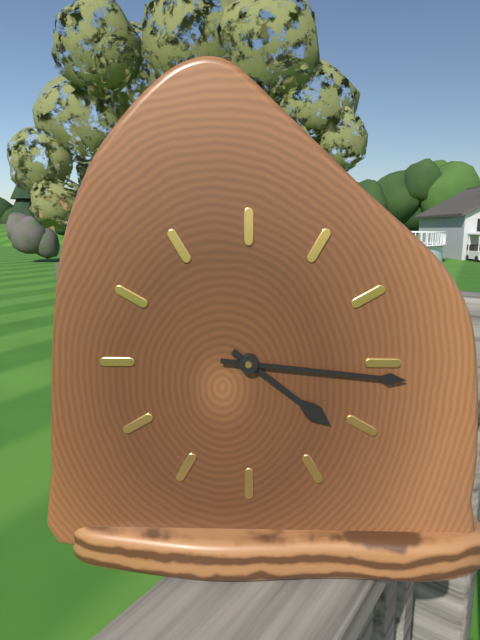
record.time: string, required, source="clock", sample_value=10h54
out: 4h16
